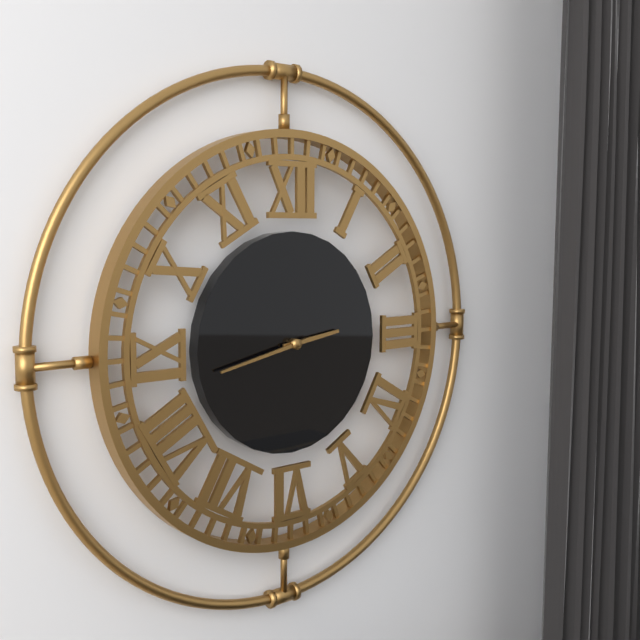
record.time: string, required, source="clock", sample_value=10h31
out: 2h43
